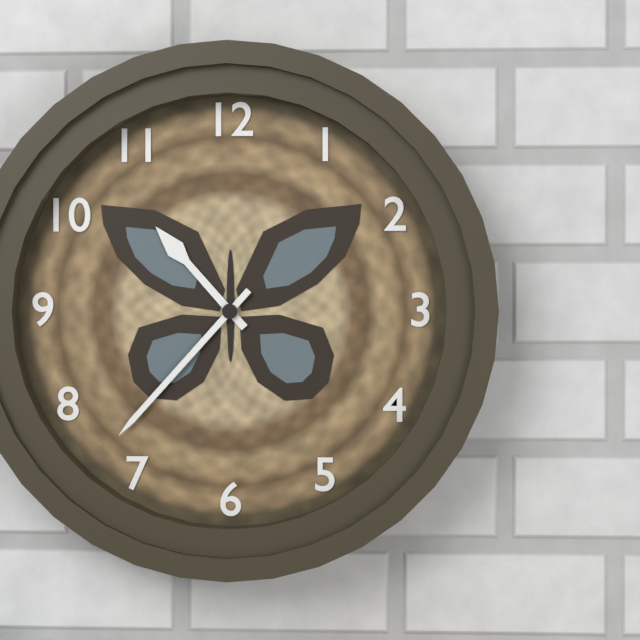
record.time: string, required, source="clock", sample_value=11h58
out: 10h37
